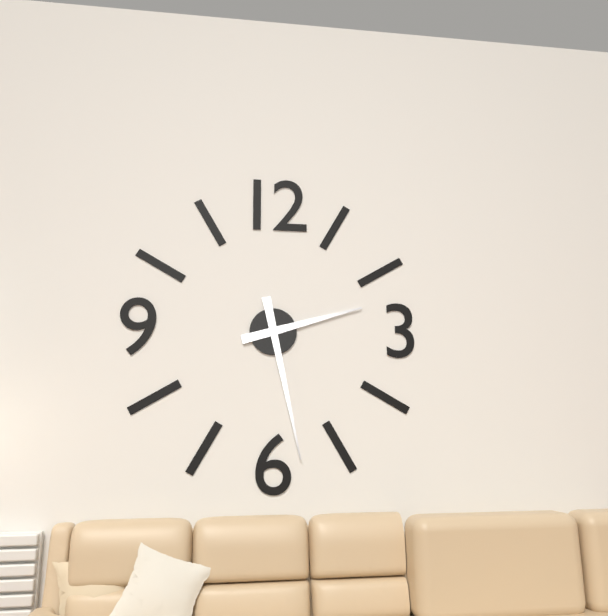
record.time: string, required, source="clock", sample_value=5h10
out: 2h28
